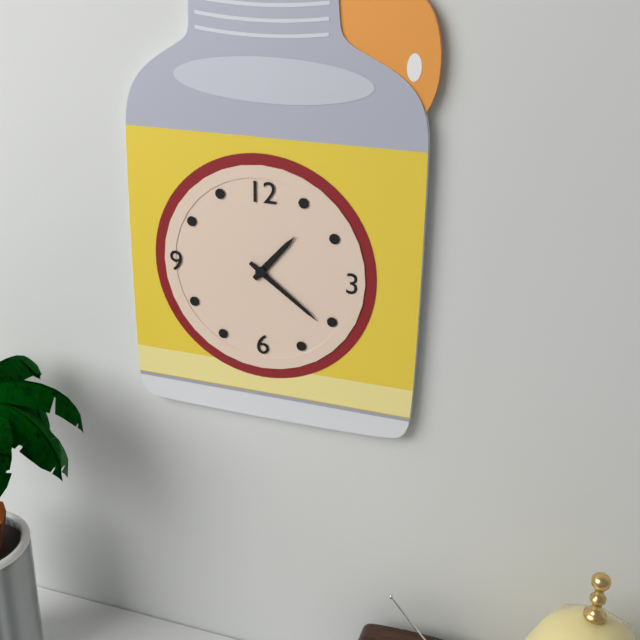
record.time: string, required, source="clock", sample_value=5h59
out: 1h21
